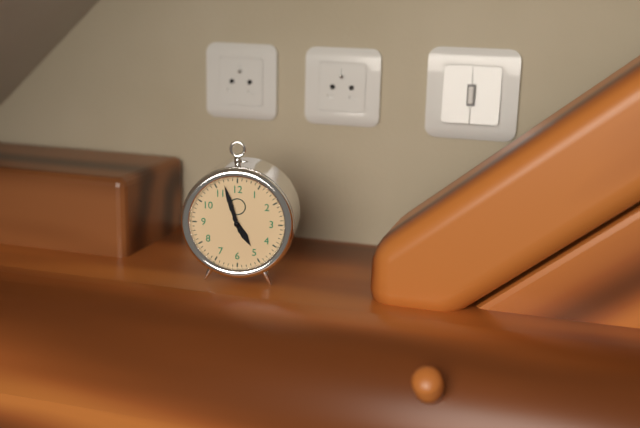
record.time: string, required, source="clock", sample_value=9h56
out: 4h57
